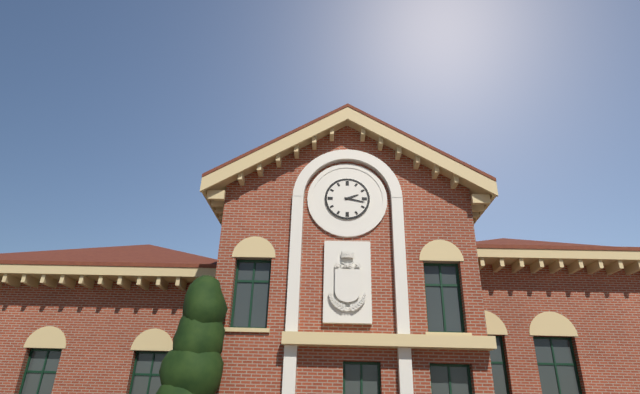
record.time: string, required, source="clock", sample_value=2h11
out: 2h17
